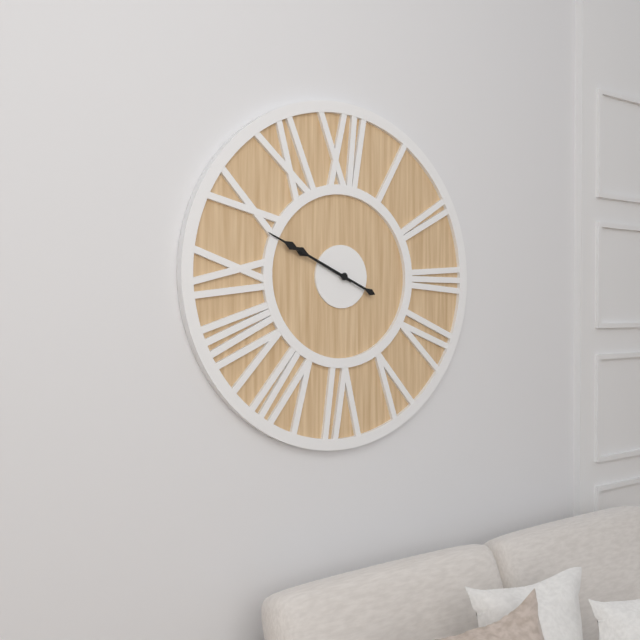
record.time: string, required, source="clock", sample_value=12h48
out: 9h49
